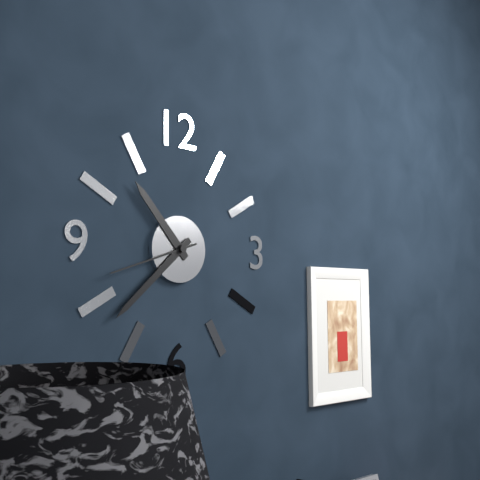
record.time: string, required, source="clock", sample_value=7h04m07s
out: 10h38m42s
